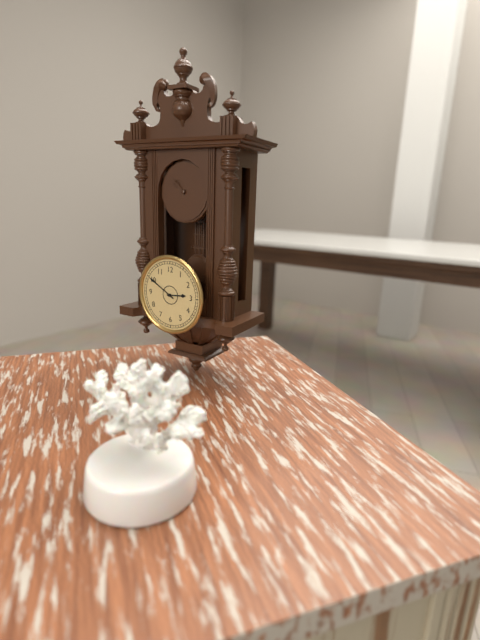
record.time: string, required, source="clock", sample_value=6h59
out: 2h50
